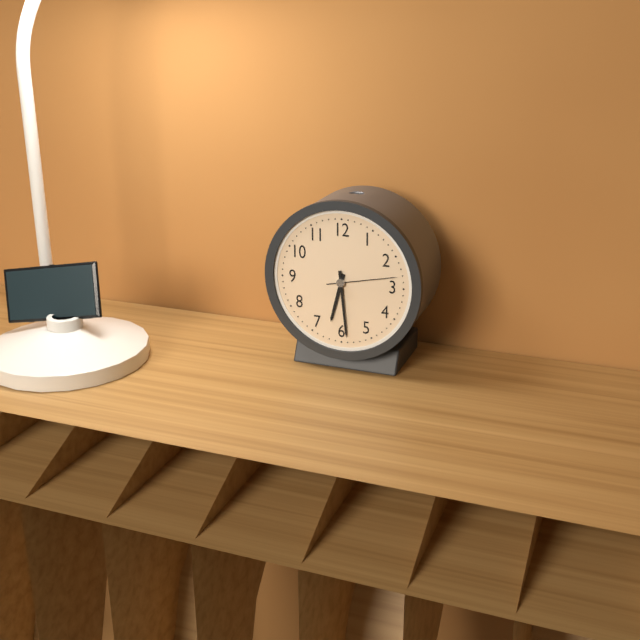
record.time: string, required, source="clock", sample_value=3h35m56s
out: 6h29m13s
